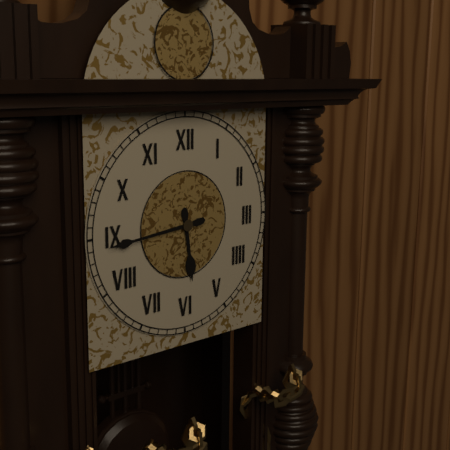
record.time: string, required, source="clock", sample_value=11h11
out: 5h44
